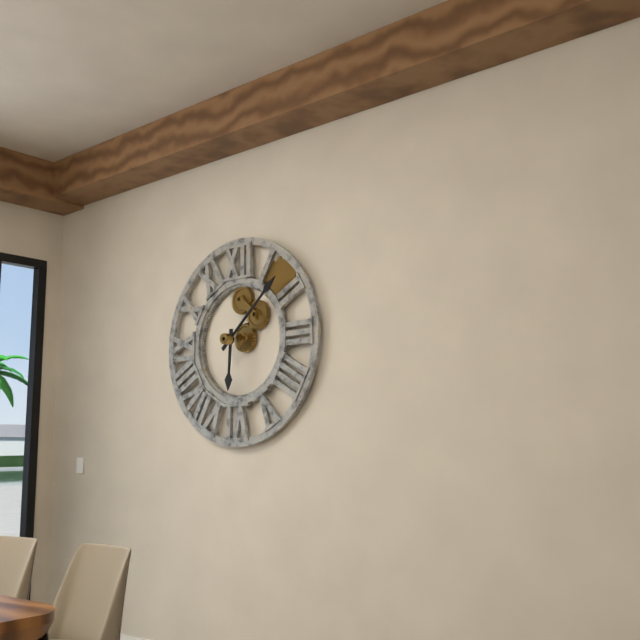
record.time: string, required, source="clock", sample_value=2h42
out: 6h08
